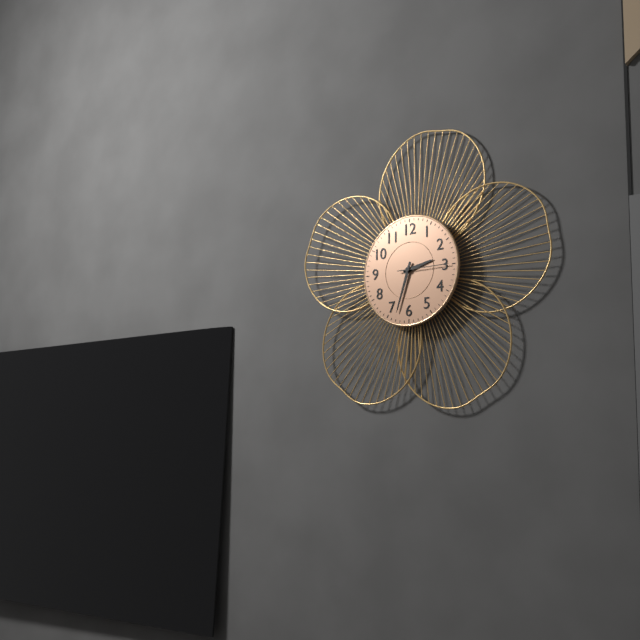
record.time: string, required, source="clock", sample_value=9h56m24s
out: 2h33m15s
